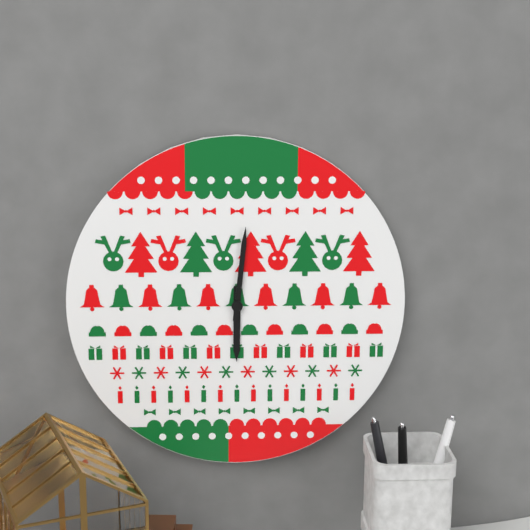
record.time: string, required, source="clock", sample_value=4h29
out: 6h01
